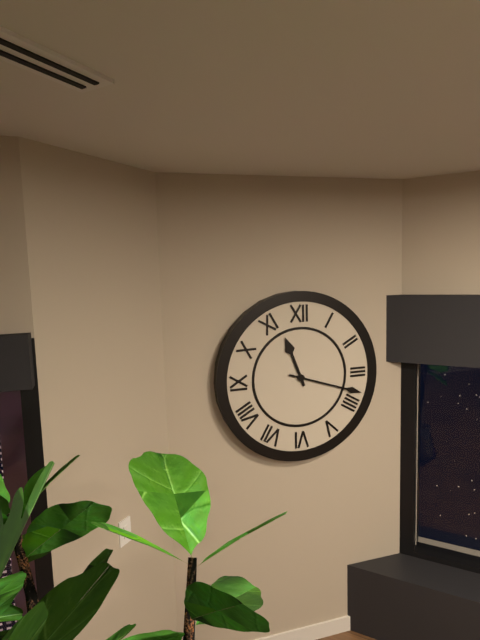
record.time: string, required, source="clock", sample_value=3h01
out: 11h18
